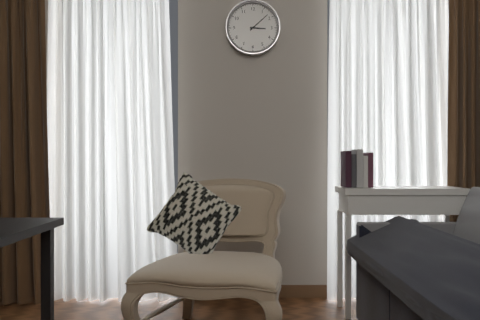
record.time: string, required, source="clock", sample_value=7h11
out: 3h08
